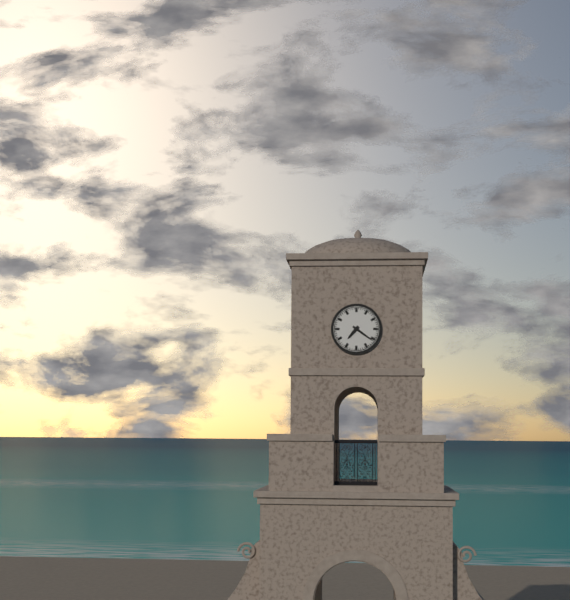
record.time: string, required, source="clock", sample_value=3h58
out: 7h21
